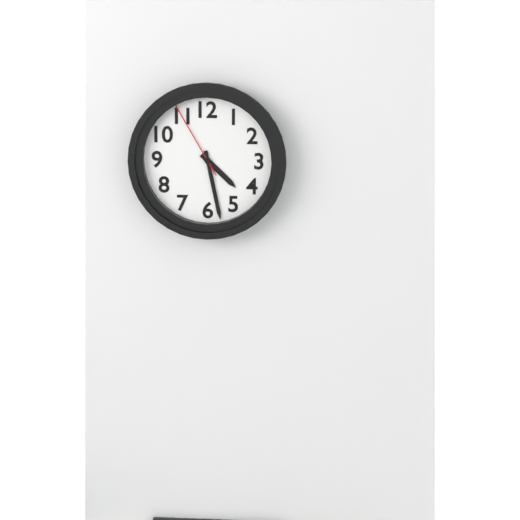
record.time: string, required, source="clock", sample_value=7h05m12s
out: 4h28m55s
